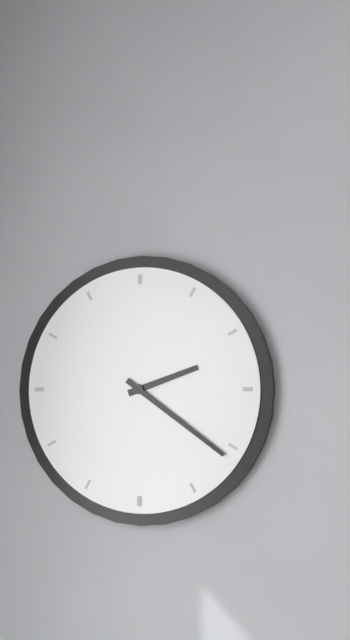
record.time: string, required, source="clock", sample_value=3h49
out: 2h21
